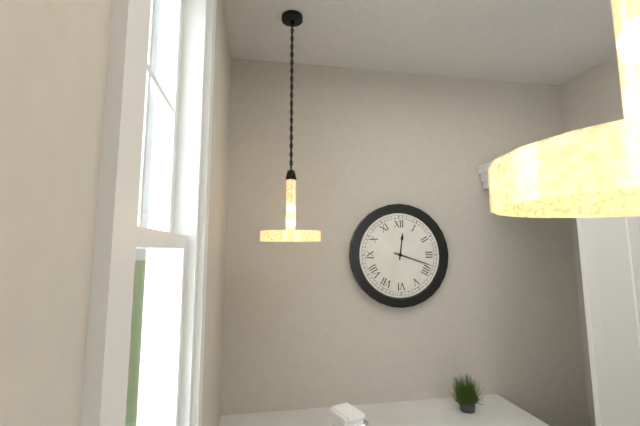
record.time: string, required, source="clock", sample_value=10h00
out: 12h18
